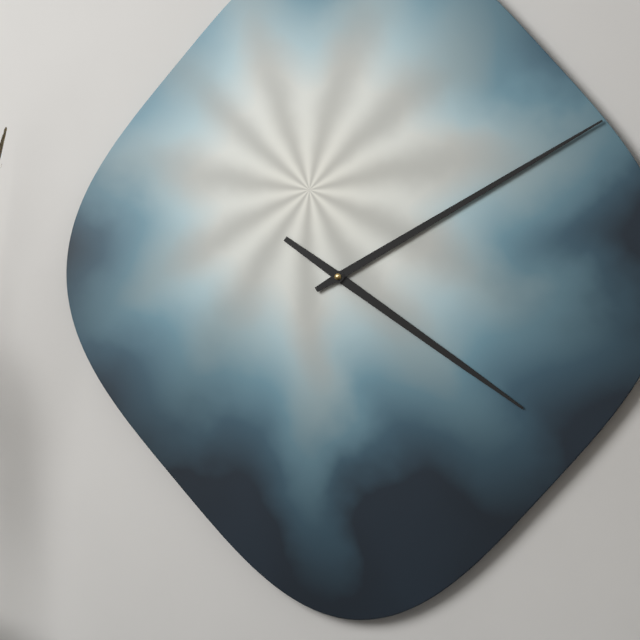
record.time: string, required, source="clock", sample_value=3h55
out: 4h10
